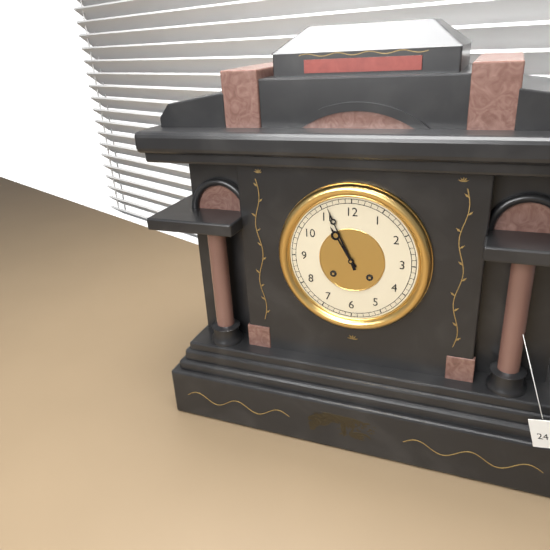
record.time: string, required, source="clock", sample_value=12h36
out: 10h56
